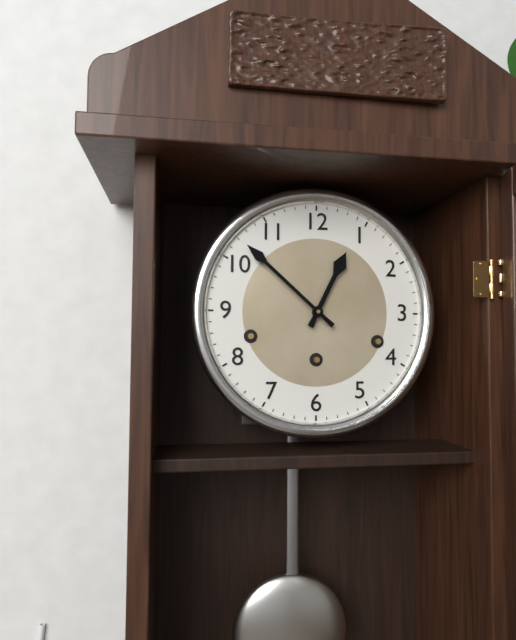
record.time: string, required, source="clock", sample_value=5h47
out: 12h52
